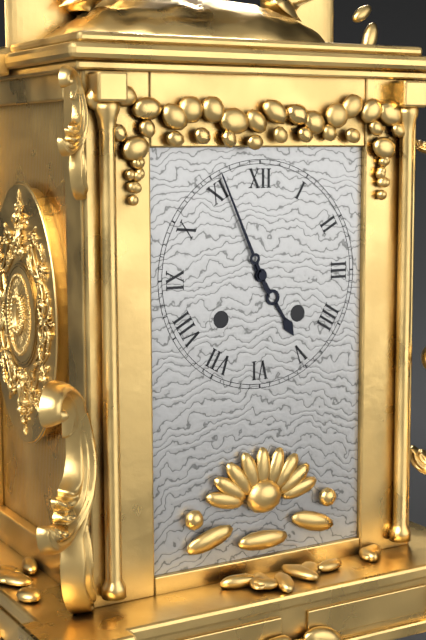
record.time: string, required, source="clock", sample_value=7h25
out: 4h56
